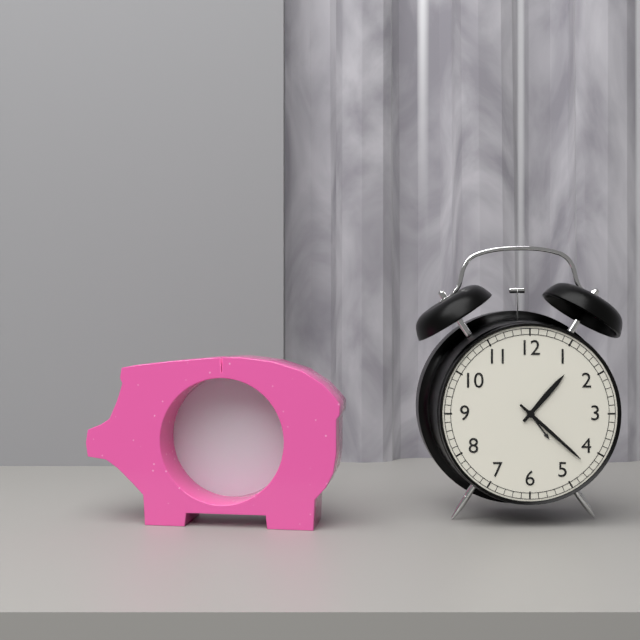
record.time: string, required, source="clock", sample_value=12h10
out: 1h22
